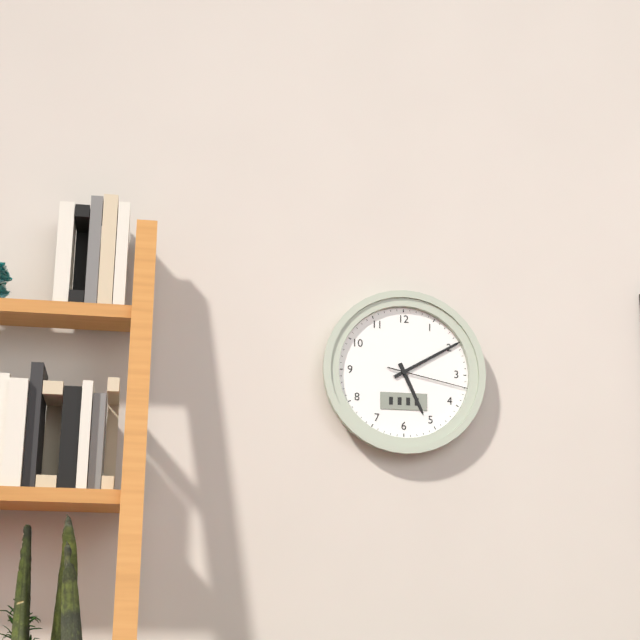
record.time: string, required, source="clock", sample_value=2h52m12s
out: 5h10m17s
